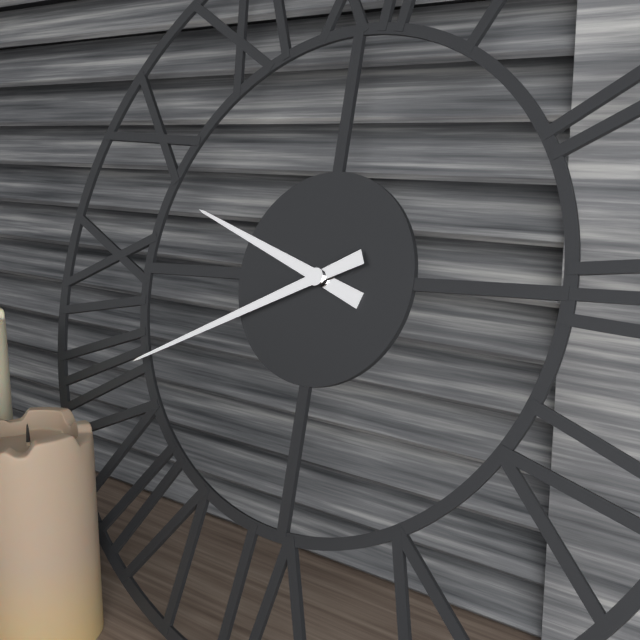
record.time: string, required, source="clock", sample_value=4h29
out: 9h41
